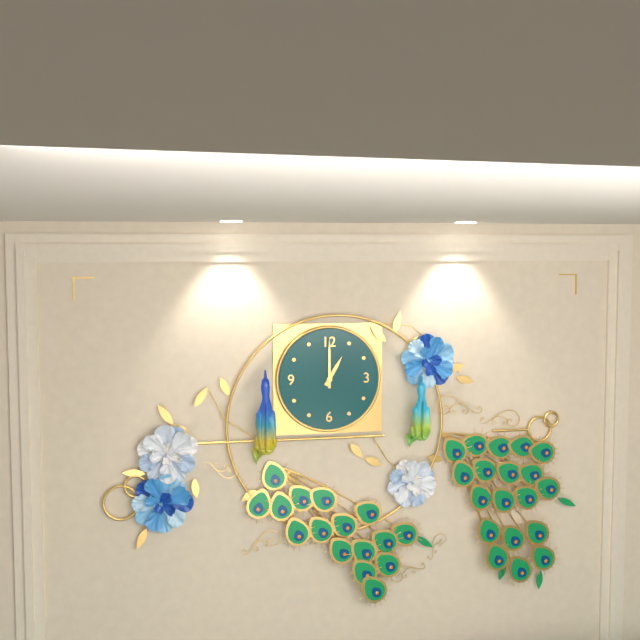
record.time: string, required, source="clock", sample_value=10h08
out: 1h00
